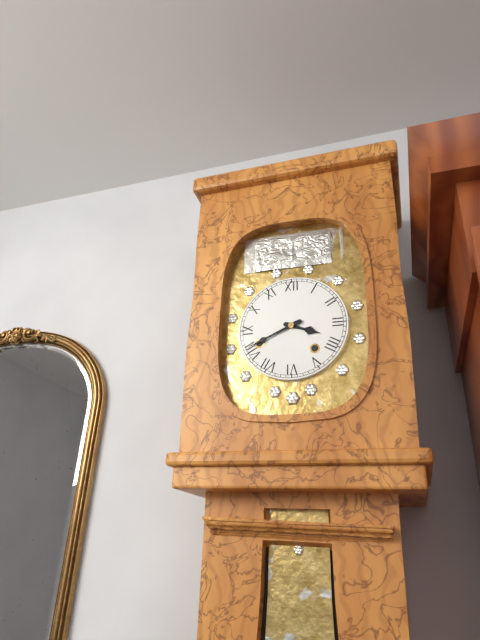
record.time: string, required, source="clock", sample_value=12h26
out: 3h41
